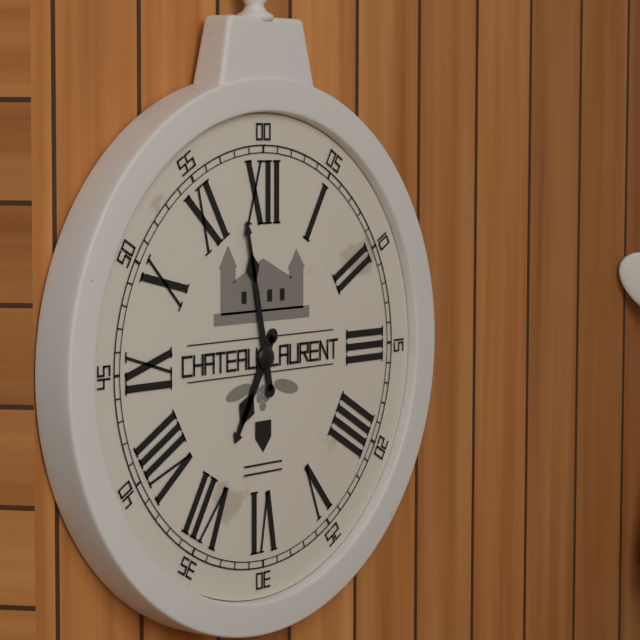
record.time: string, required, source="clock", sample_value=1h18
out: 6h58
